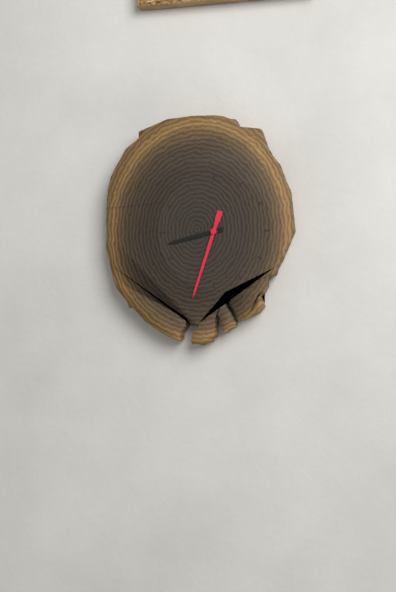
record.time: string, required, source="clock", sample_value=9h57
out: 8h33
